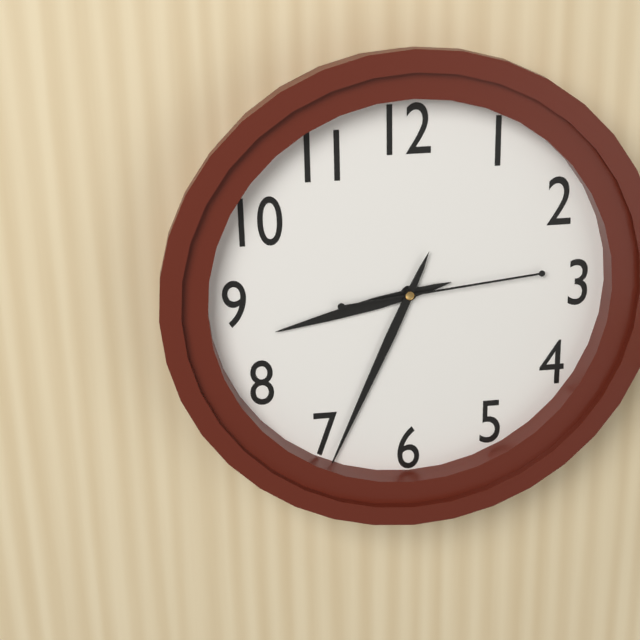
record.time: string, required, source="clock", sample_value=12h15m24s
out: 8h34m14s
